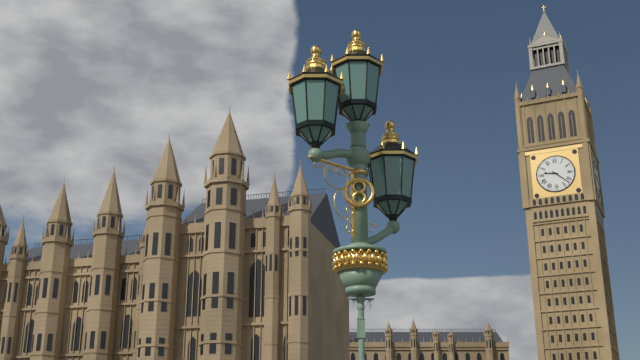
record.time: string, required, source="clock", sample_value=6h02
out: 9h22
